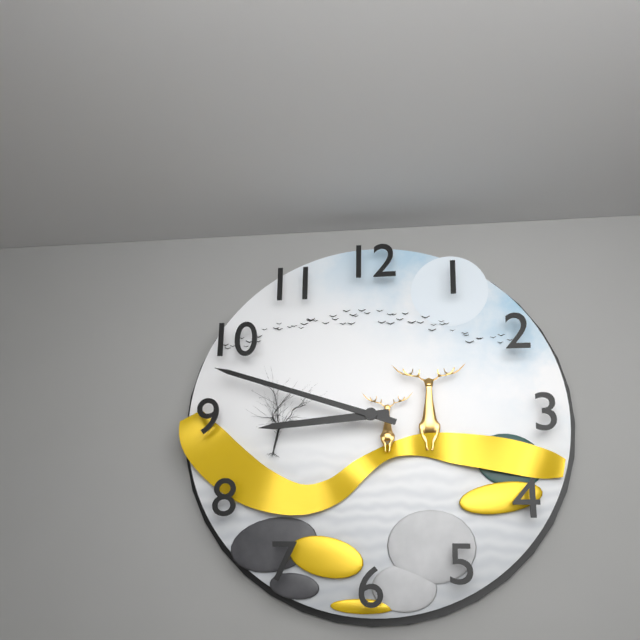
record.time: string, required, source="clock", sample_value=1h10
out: 8h48
